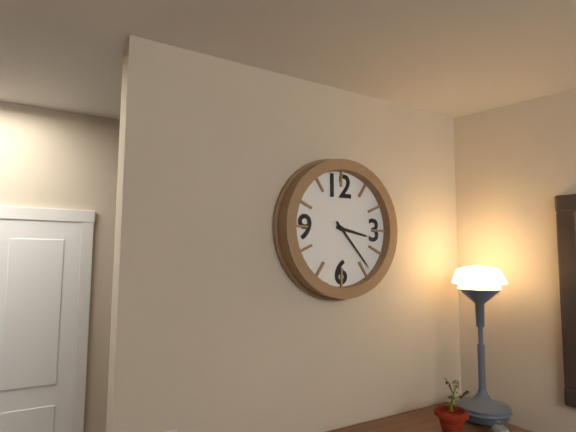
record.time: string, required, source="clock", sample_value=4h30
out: 3h23
